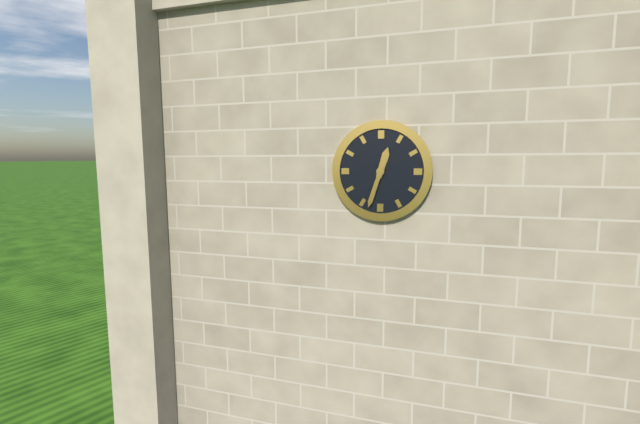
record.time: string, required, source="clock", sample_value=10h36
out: 12h33
